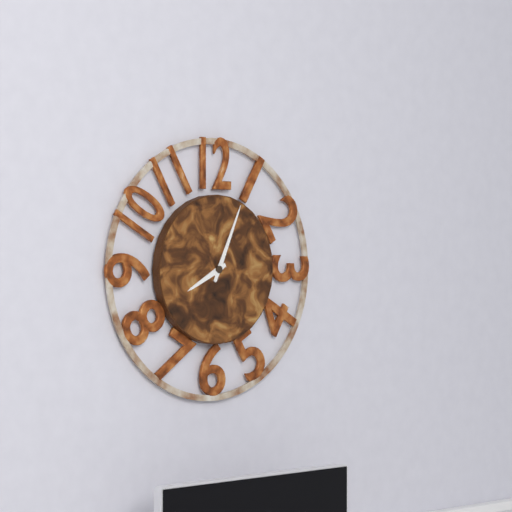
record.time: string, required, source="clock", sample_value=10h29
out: 8h04
